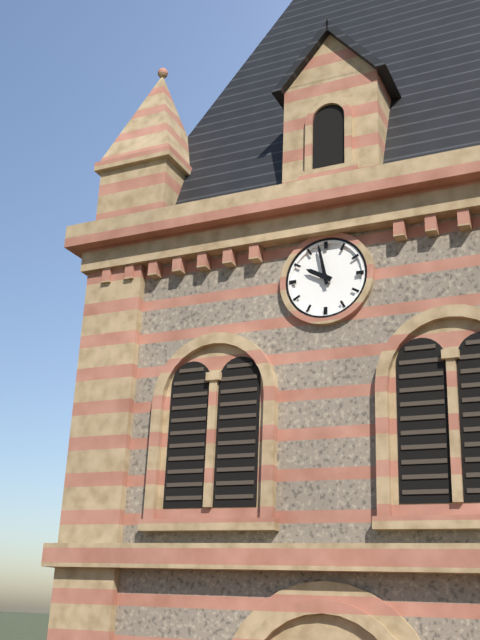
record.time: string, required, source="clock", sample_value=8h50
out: 9h58
